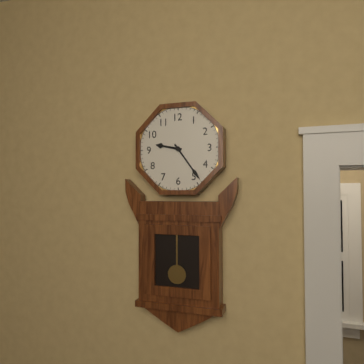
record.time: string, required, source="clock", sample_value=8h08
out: 9h24
